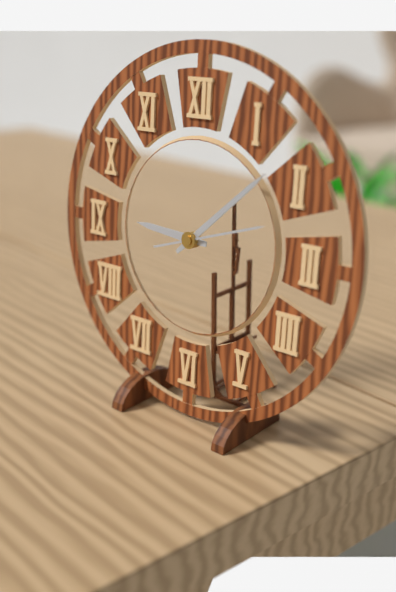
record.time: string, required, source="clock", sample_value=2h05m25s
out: 9h08m12s
